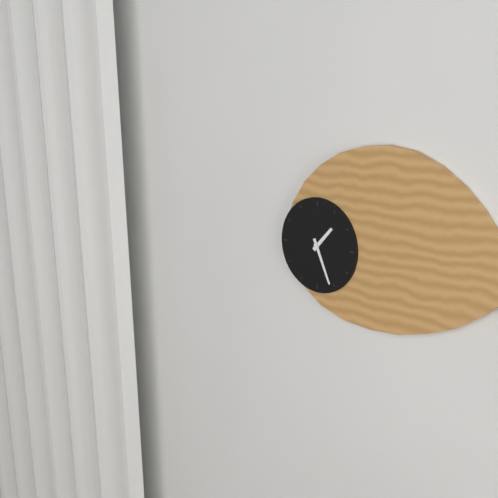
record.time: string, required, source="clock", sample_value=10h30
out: 1h26
